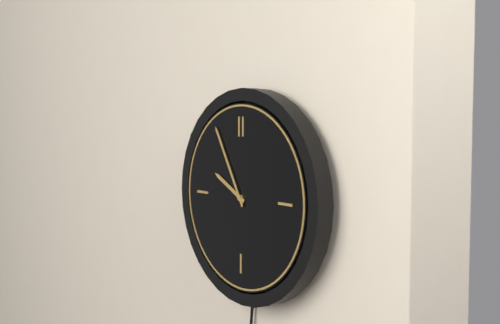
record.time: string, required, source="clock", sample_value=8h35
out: 9h55
